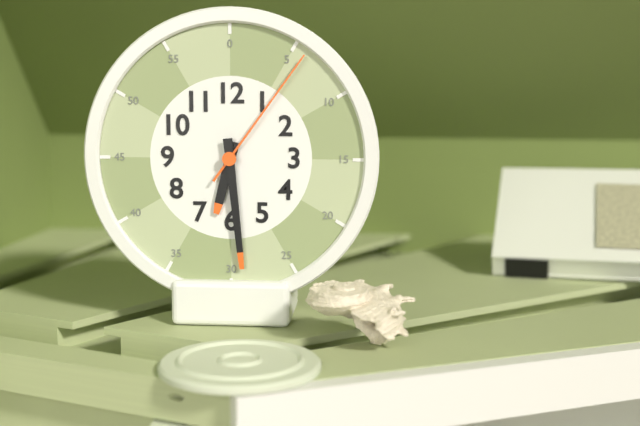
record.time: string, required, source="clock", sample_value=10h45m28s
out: 6h29m06s
